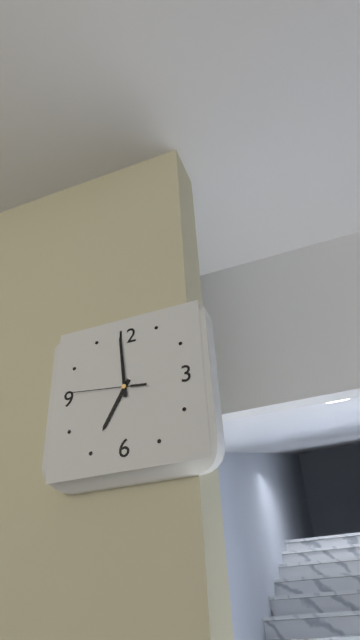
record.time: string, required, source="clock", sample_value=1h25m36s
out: 6h59m46s
